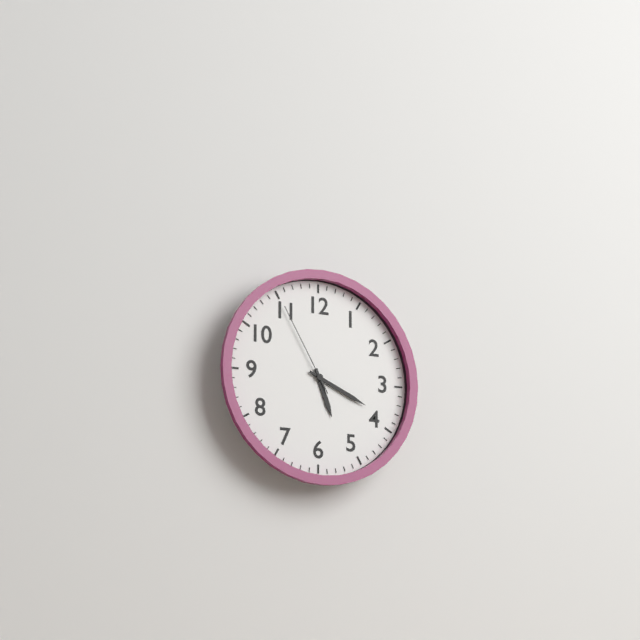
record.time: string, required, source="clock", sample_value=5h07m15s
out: 5h19m55s
